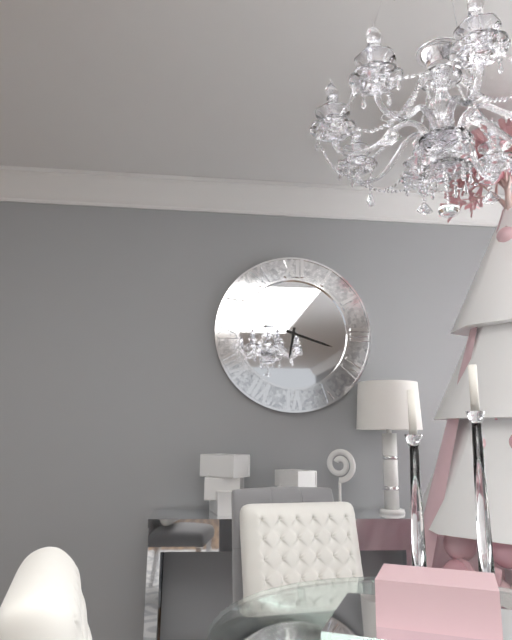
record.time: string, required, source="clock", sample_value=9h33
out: 6h18
